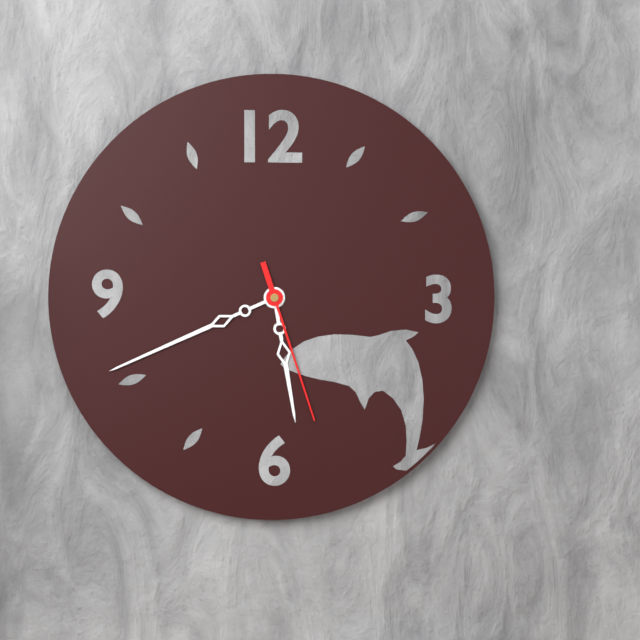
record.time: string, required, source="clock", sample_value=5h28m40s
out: 5h41m27s
